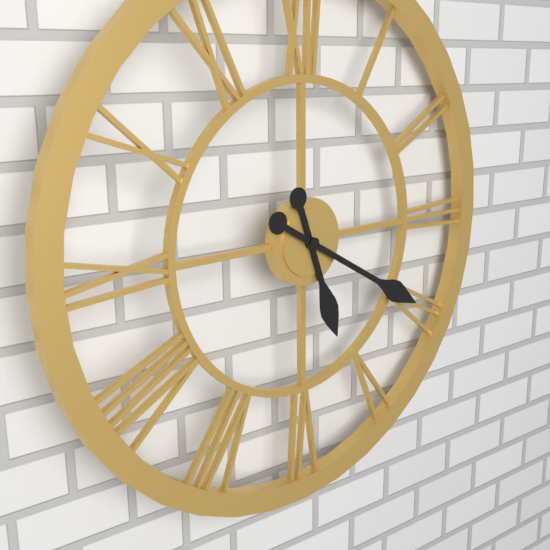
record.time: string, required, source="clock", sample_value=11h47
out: 5h20
